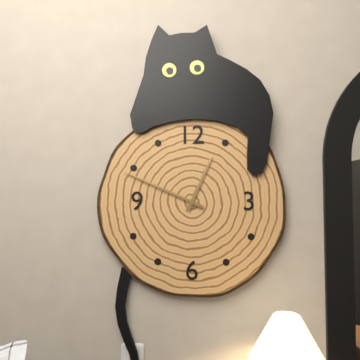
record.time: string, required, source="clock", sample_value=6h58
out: 12h49
